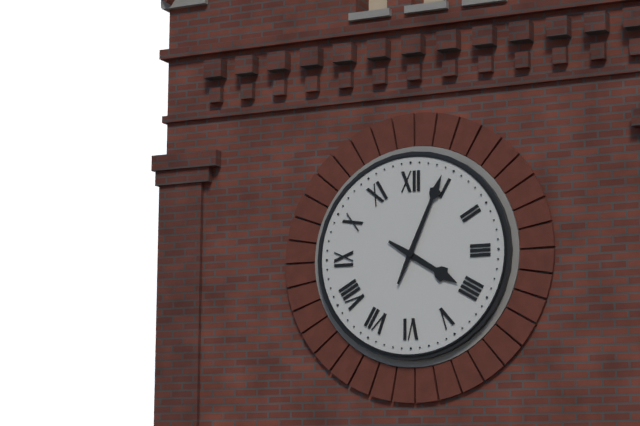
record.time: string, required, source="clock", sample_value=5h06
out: 4h04
